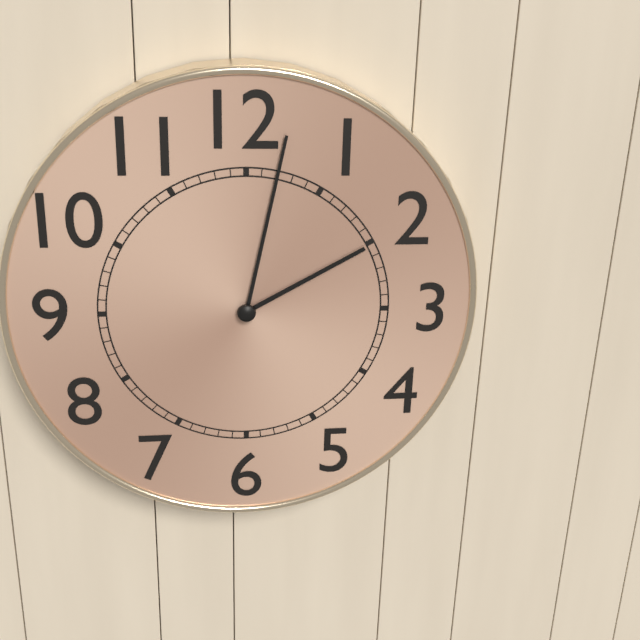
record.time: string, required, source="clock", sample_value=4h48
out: 2h02
